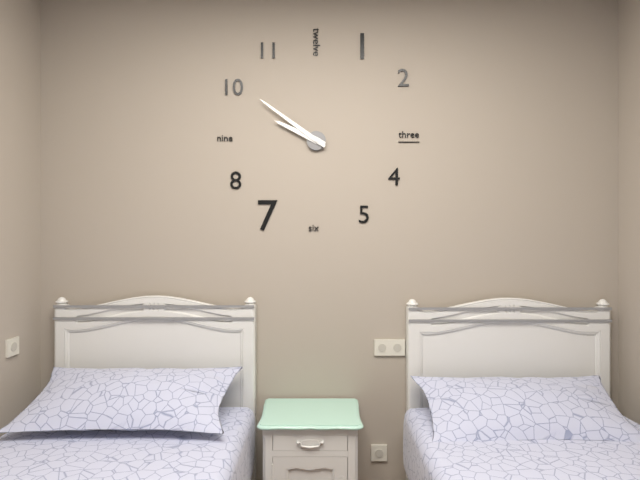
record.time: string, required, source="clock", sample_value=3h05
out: 9h51
